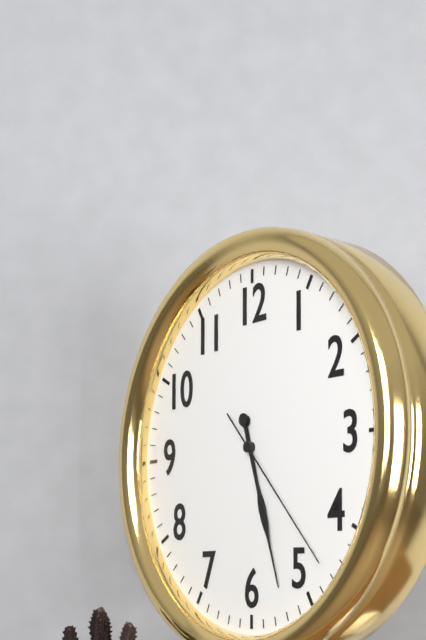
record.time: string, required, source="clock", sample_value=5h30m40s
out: 5h27m23s
